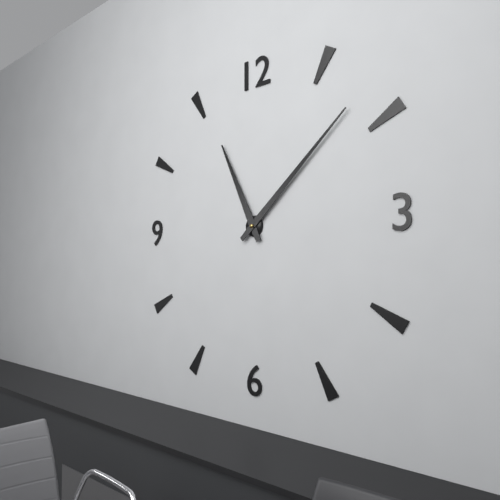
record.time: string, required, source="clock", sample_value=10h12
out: 11h08
